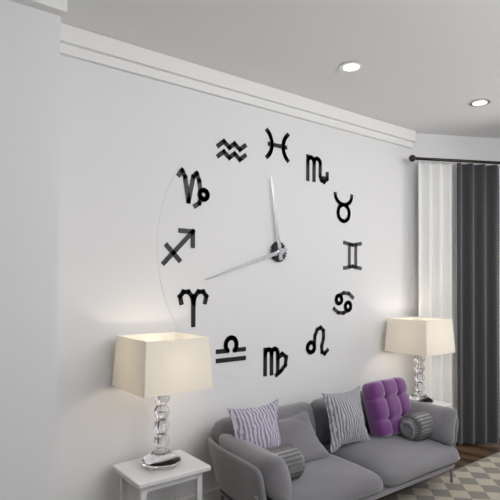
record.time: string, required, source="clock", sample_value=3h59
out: 11h42
